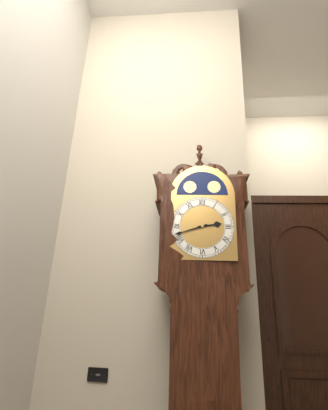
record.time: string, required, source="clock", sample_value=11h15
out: 2h42
